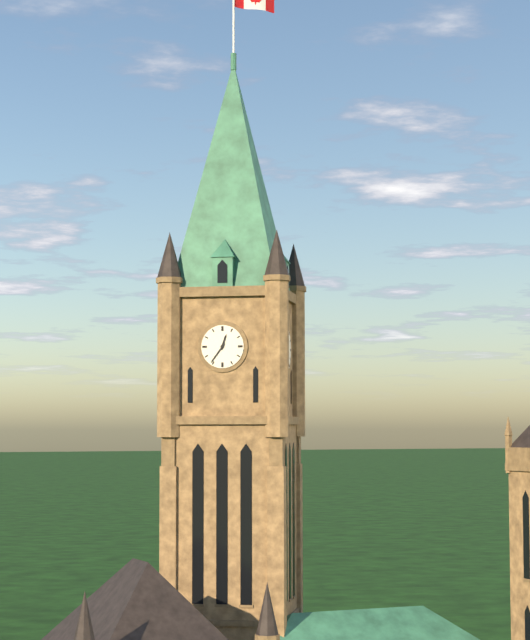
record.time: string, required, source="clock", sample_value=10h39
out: 12h36
